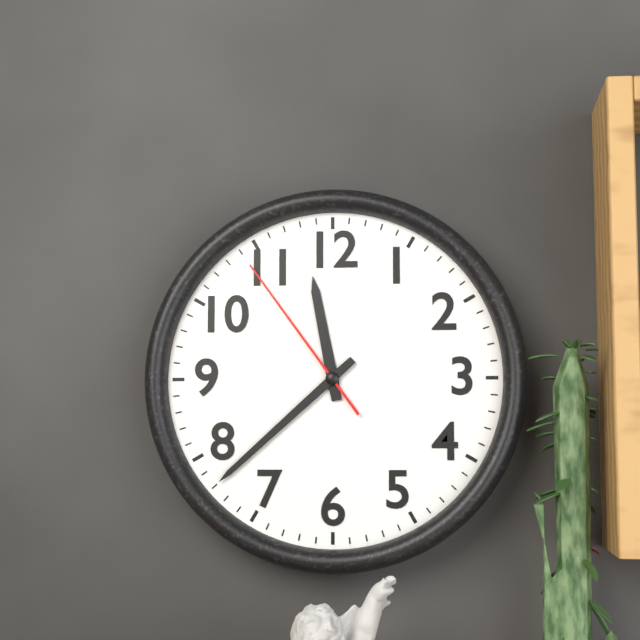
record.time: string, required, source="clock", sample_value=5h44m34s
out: 11h38m54s
